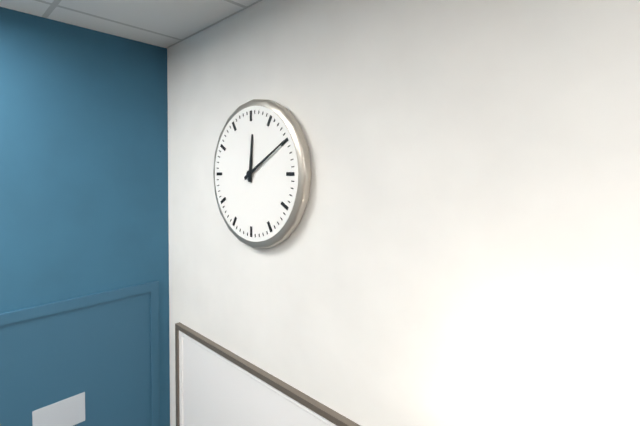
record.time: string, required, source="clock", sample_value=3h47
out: 12h10
